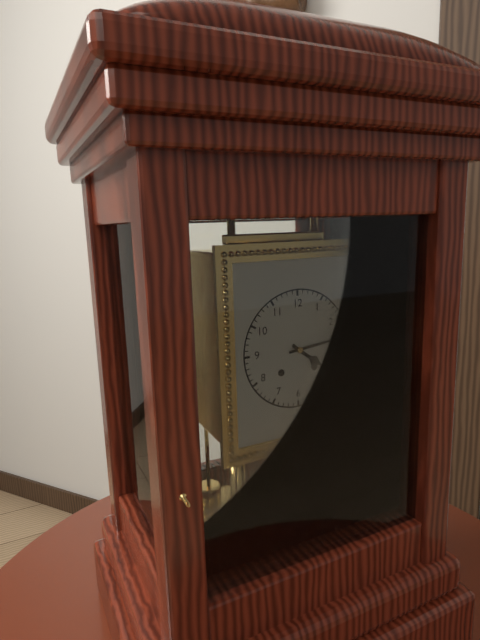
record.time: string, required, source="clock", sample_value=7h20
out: 4h14
